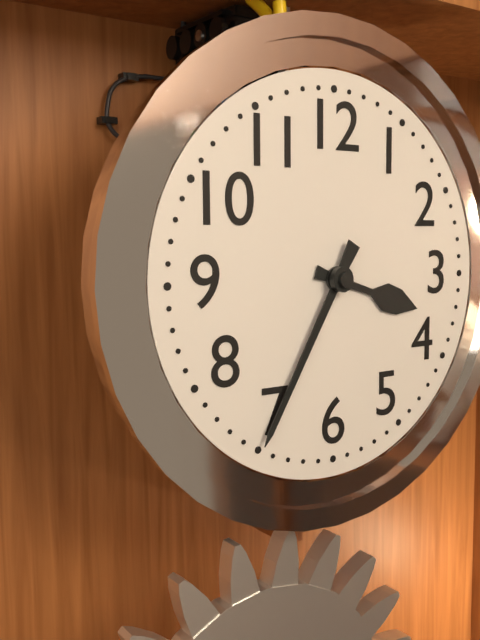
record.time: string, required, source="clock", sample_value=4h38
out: 3h35
